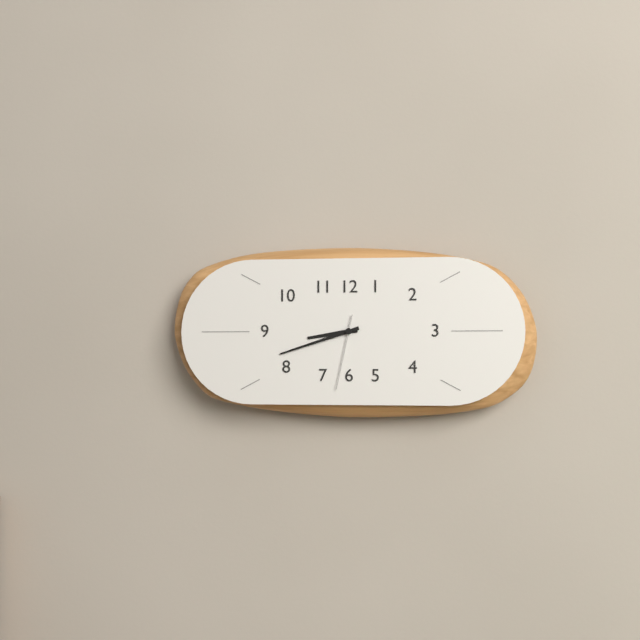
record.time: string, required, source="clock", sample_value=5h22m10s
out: 8h42m32s
